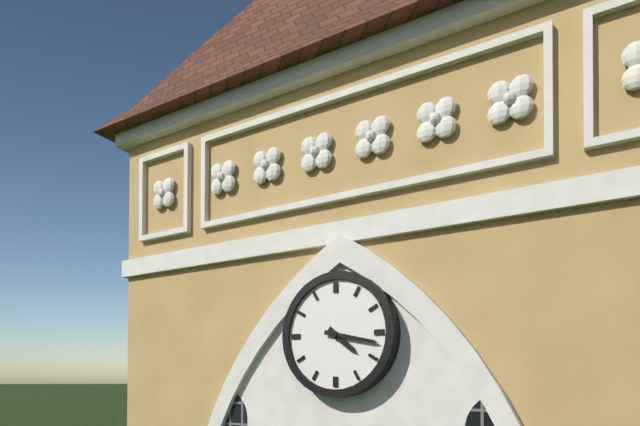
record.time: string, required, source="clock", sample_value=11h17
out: 4h17
